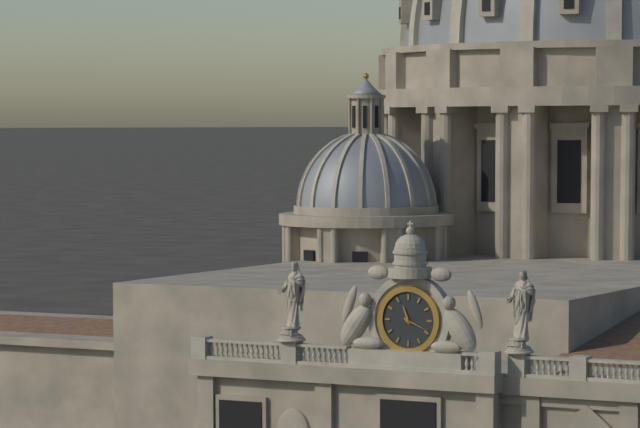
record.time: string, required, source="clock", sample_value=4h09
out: 11h19
